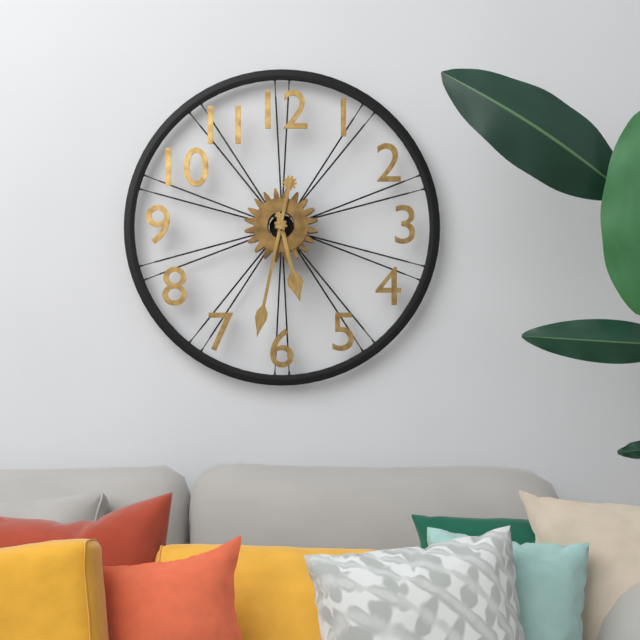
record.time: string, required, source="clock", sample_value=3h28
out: 5h32
